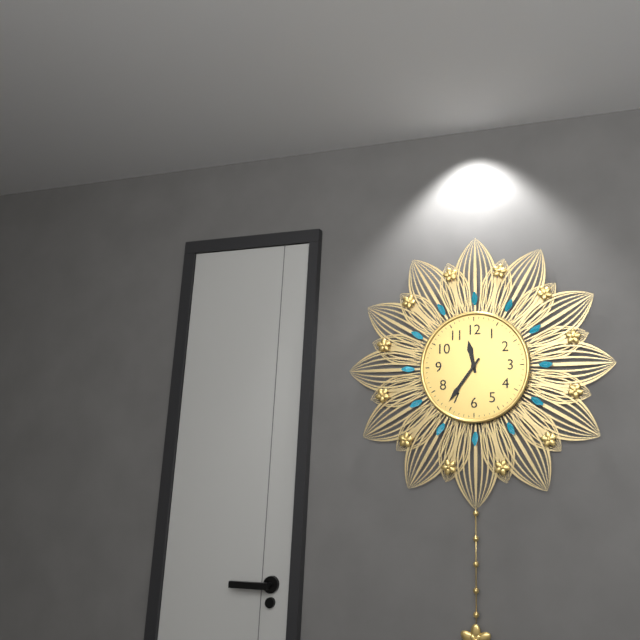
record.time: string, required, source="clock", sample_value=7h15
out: 11h36
